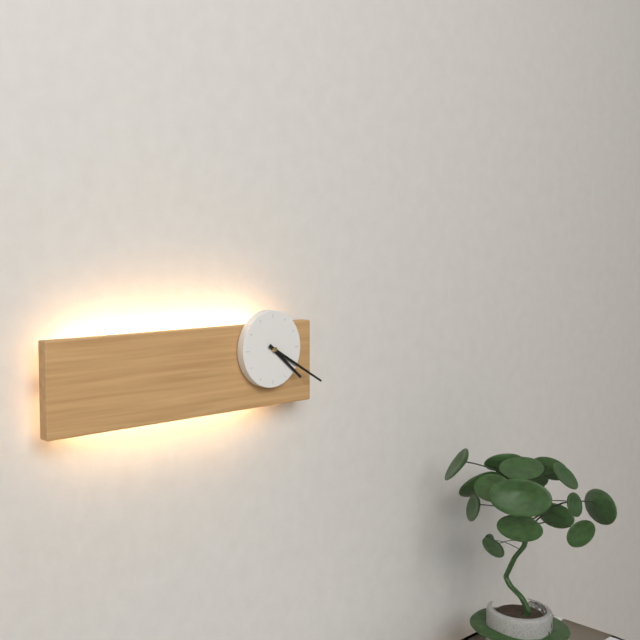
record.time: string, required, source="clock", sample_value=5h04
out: 4h20
